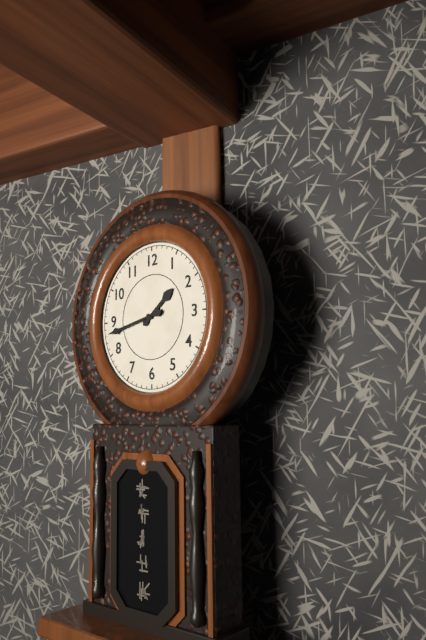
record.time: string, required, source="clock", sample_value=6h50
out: 1h43
